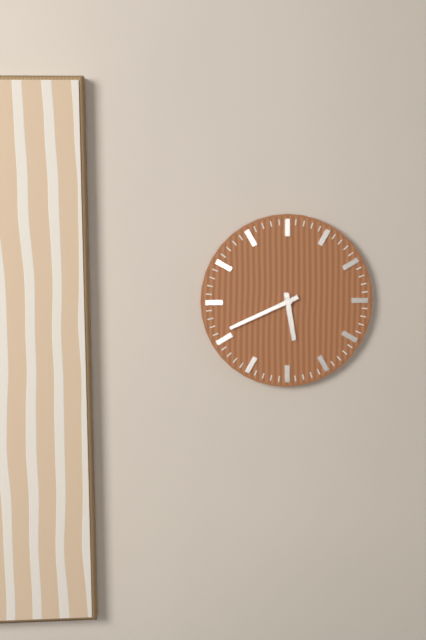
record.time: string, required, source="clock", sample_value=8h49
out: 5h41
